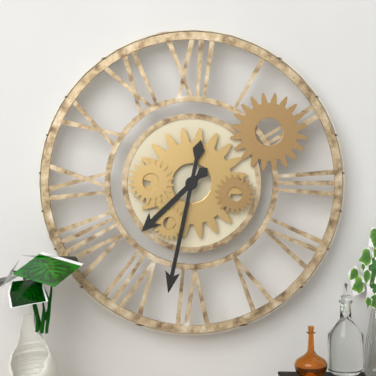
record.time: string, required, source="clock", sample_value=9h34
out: 7h32
